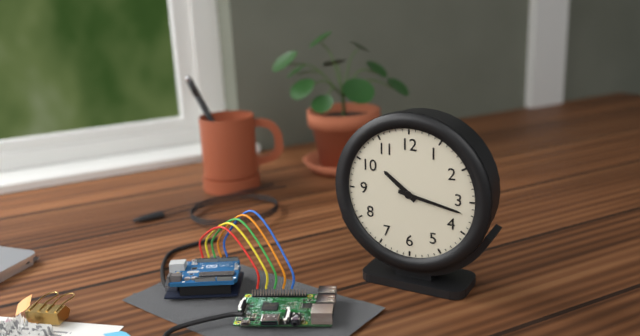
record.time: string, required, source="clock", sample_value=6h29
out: 10h17
